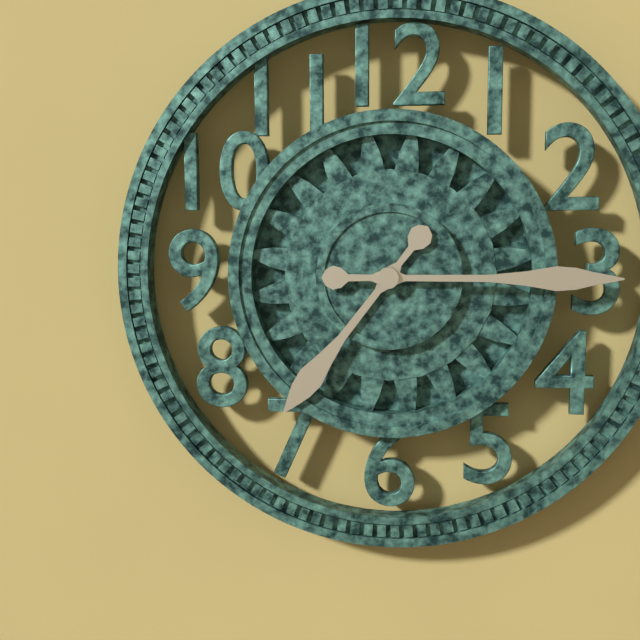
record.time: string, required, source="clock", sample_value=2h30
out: 7h15
